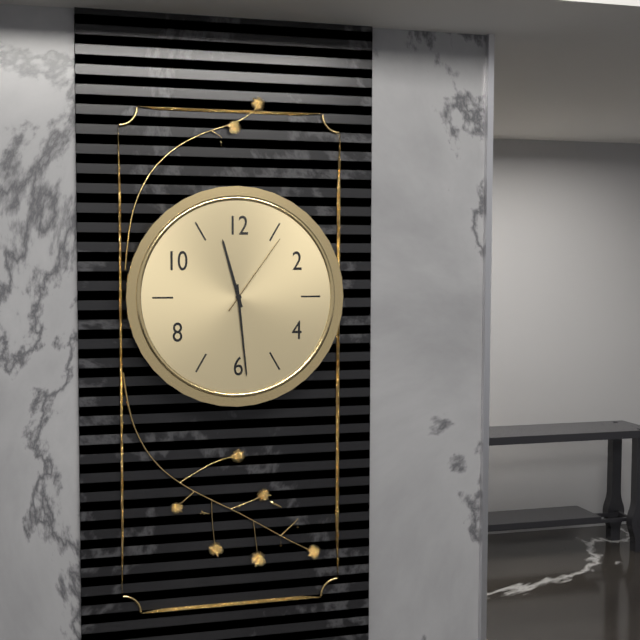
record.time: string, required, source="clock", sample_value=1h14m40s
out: 11h29m06s
